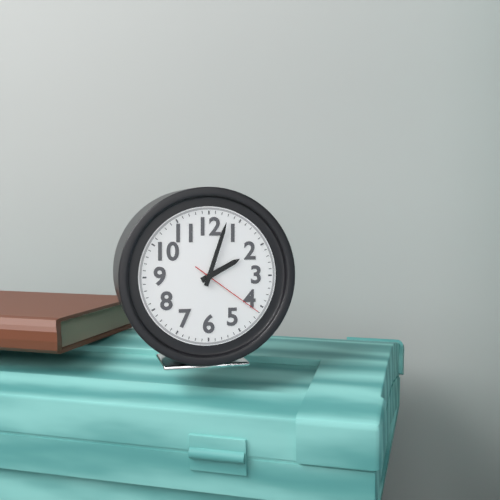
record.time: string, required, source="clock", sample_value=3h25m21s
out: 2h03m21s
